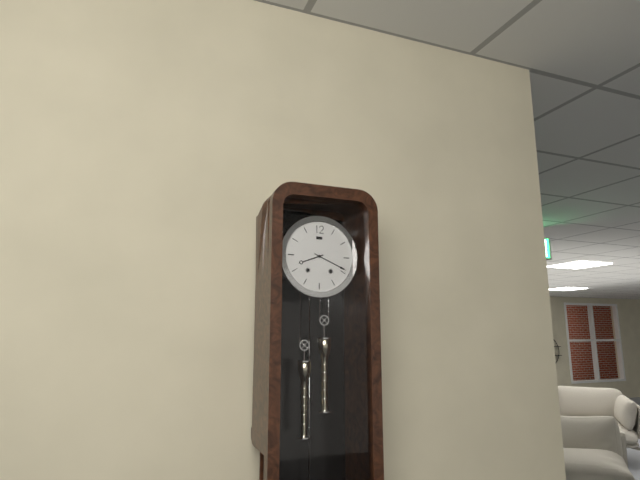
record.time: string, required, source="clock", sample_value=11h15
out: 8h19
